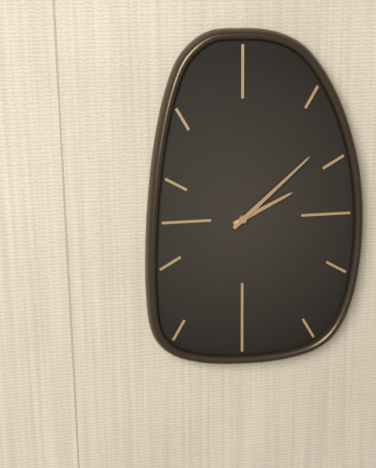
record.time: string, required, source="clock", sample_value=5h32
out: 2h08
